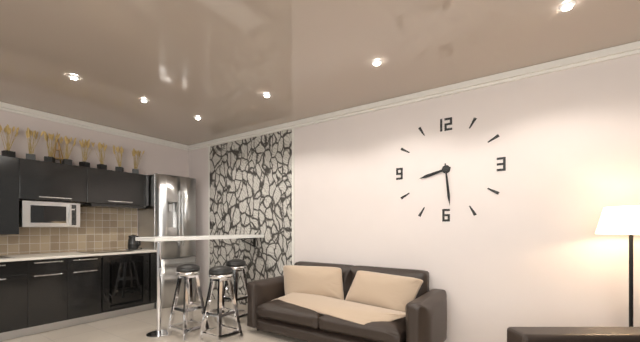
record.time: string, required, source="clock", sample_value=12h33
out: 8h29
